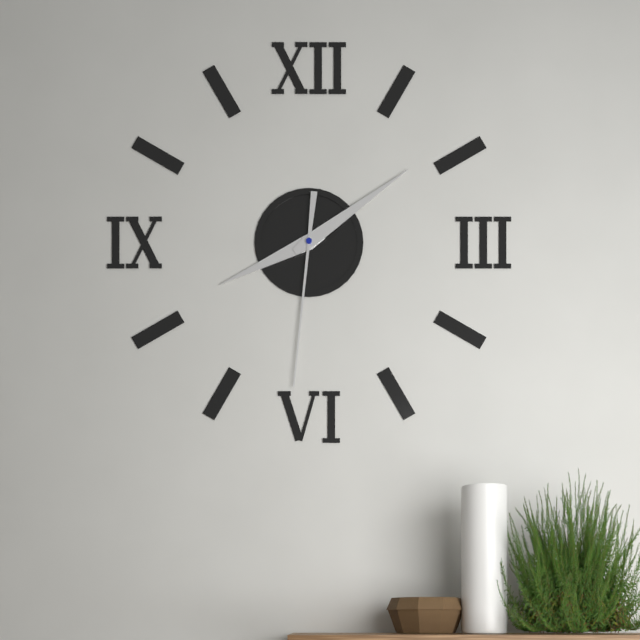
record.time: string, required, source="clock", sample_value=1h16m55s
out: 8h09m31s
